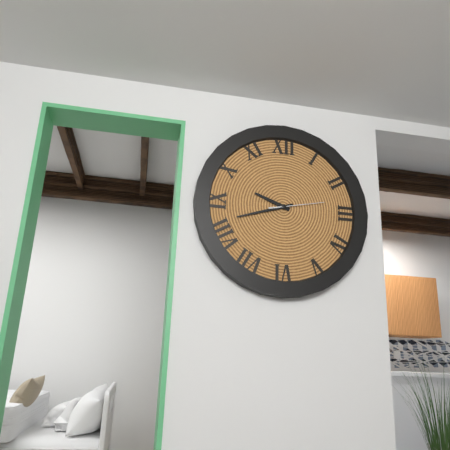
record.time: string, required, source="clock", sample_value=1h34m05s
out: 9h42m13s
